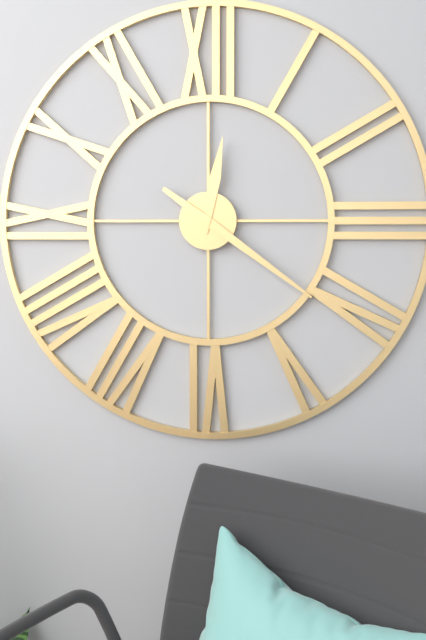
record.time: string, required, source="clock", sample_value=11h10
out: 12h21
